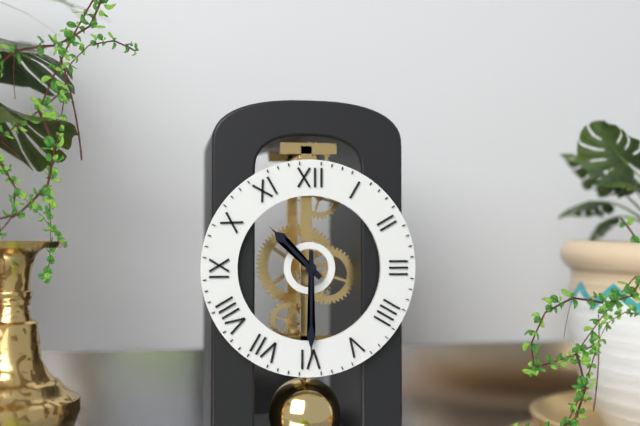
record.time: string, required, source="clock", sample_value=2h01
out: 10h30
